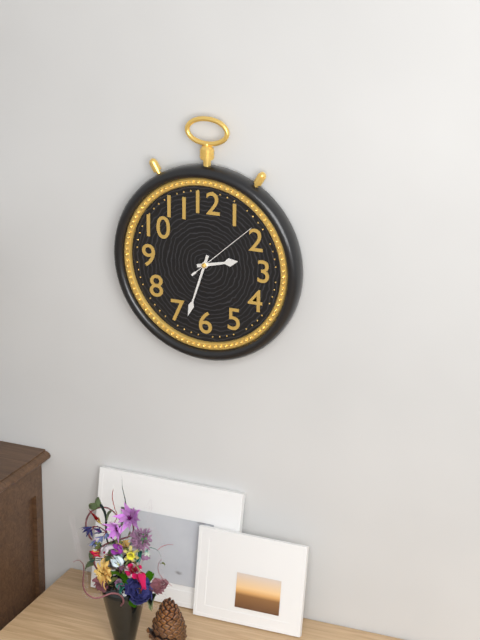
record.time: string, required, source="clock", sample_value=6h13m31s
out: 2h33m08s
